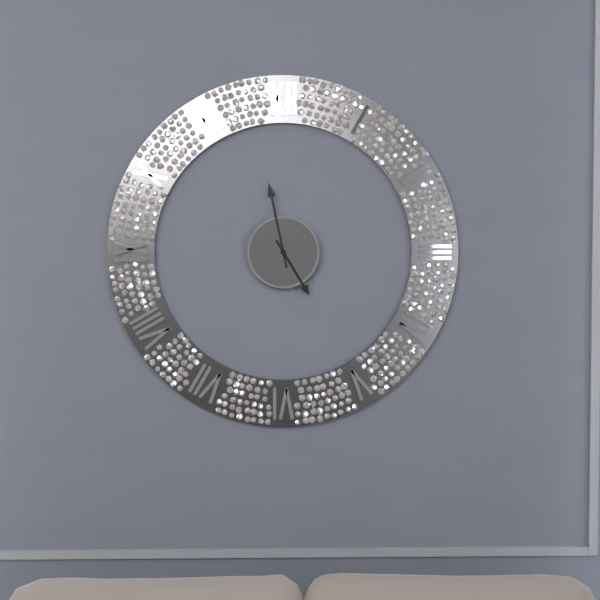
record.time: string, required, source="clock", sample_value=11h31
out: 4h58
